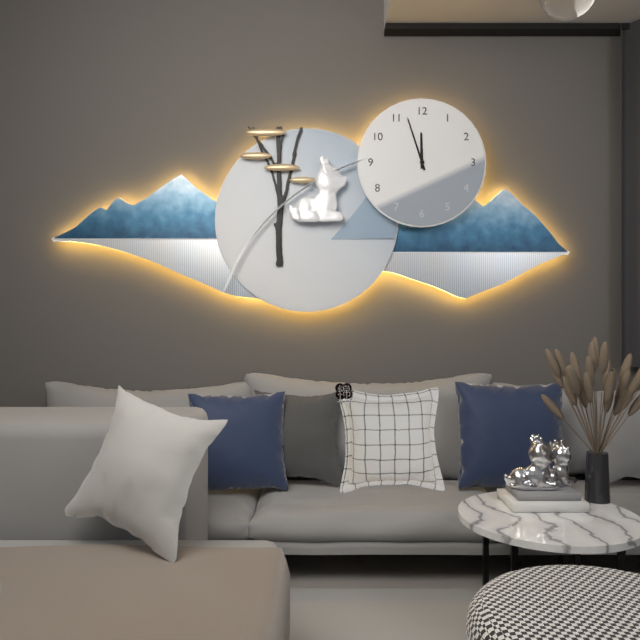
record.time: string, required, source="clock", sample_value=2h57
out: 11h57
